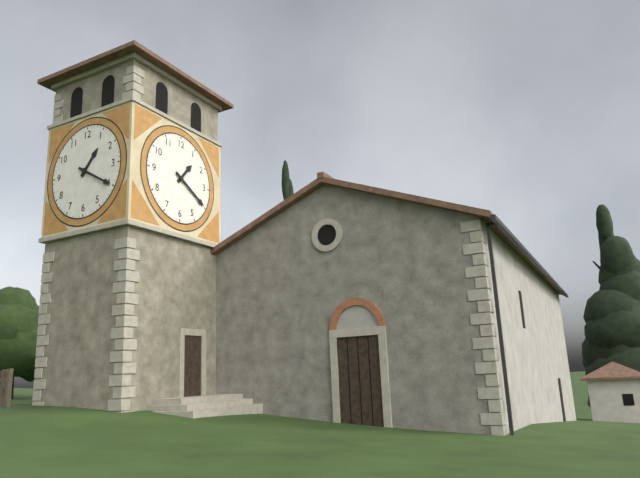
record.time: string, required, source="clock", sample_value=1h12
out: 1h20
